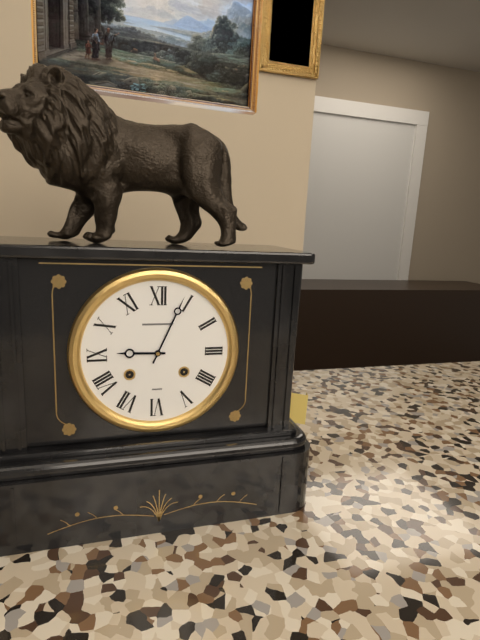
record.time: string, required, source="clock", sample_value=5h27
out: 9h04
